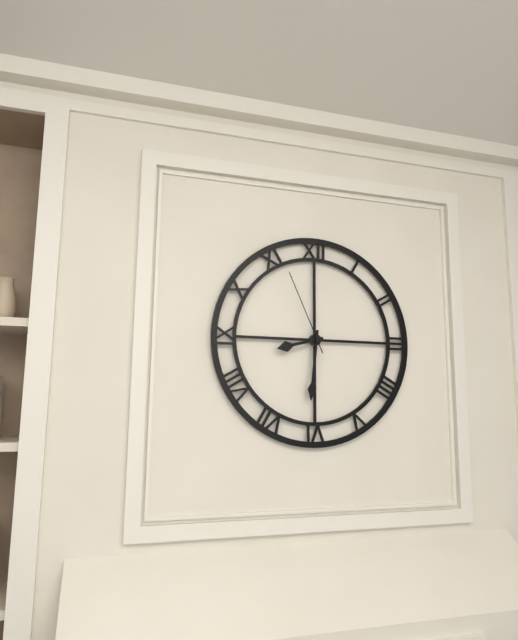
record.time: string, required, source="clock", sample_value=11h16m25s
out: 8h31m56s
